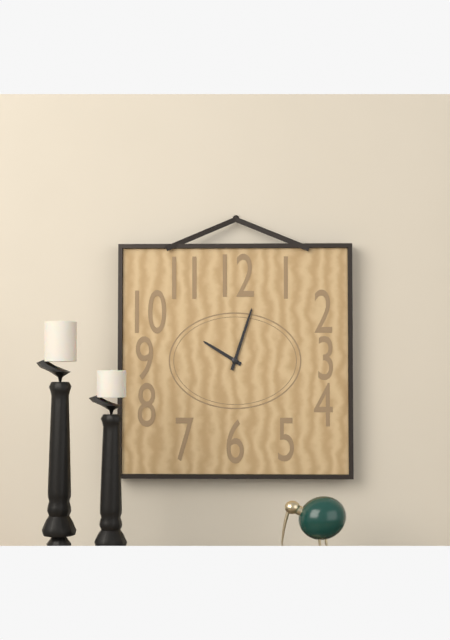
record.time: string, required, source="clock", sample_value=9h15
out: 10h03
